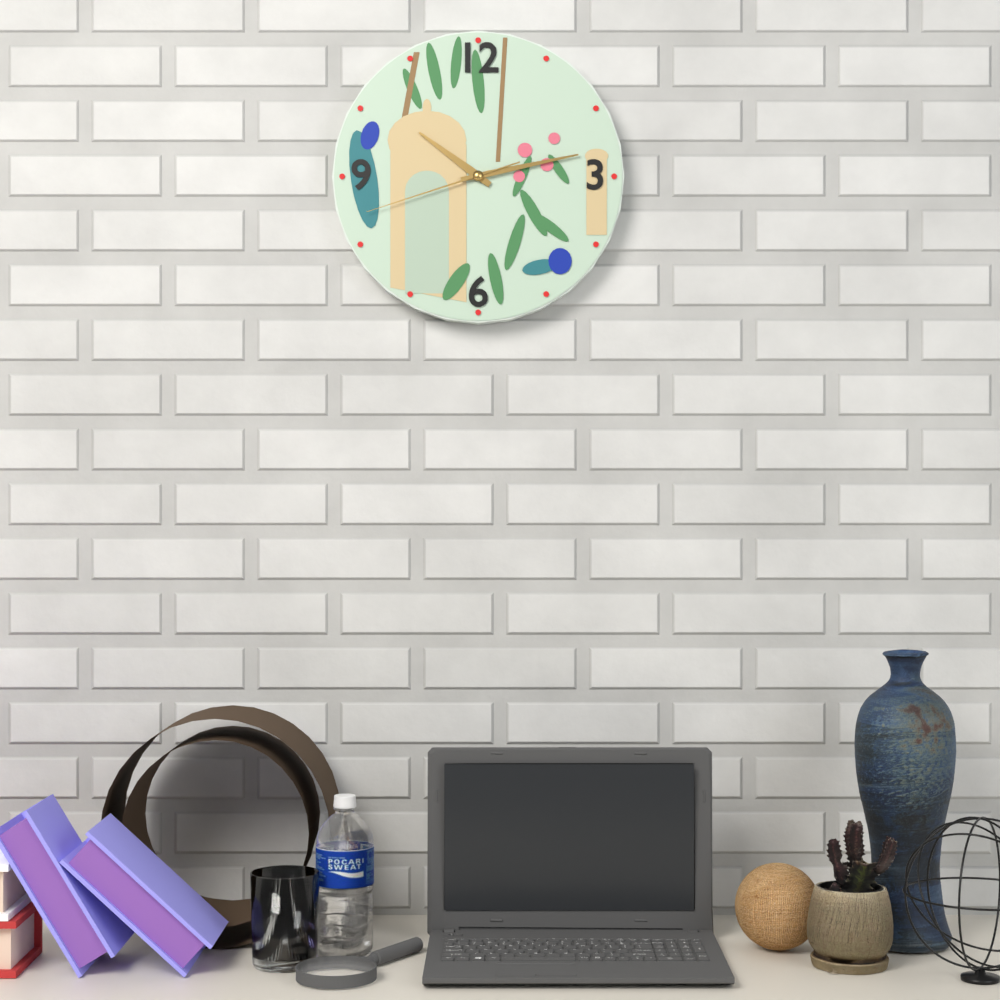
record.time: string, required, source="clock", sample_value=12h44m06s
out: 10h13m42s
